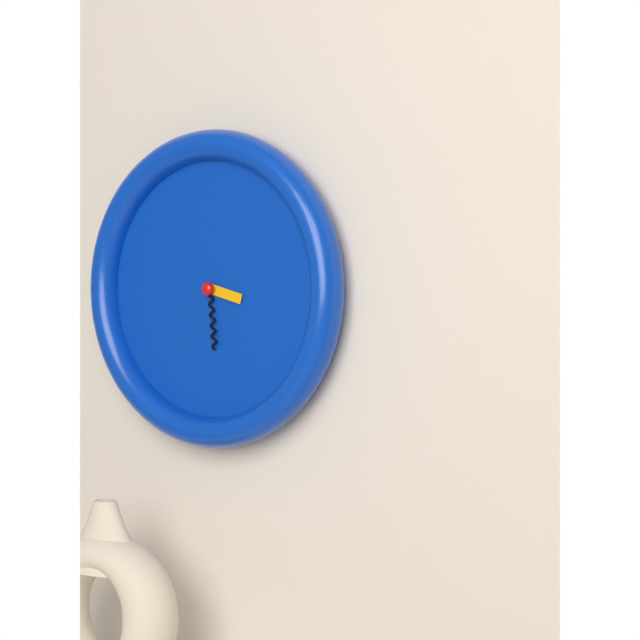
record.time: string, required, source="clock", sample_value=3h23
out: 3h29
